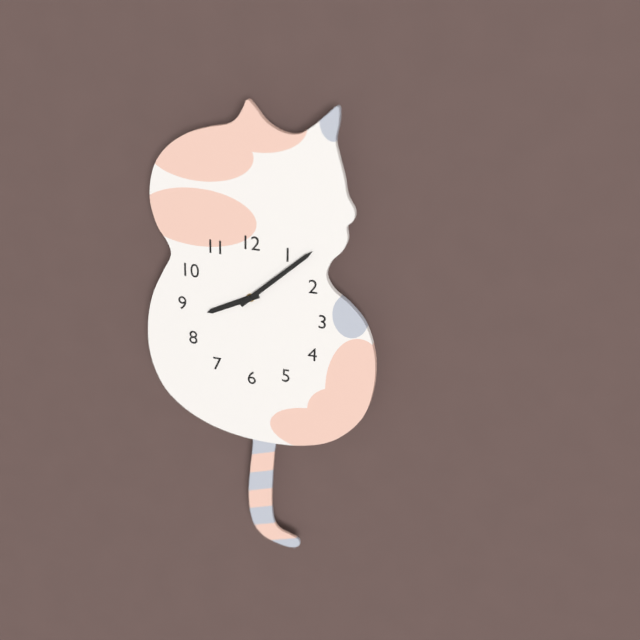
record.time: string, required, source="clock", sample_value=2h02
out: 8h08
